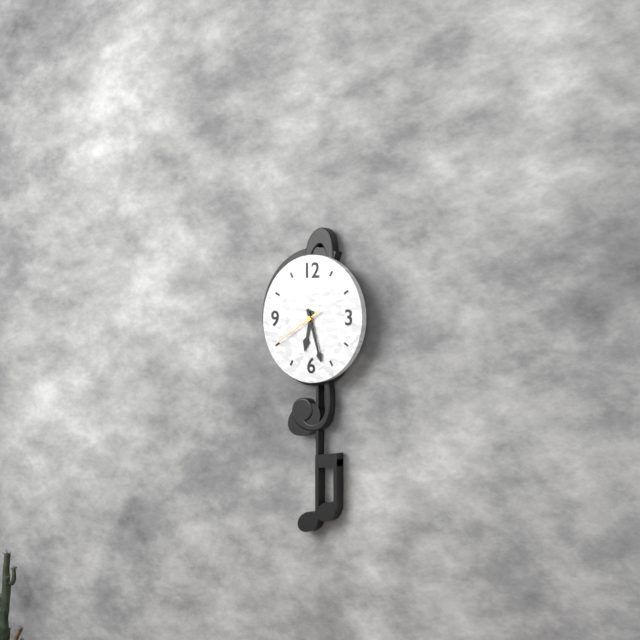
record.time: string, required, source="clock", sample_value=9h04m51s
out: 6h27m40s
